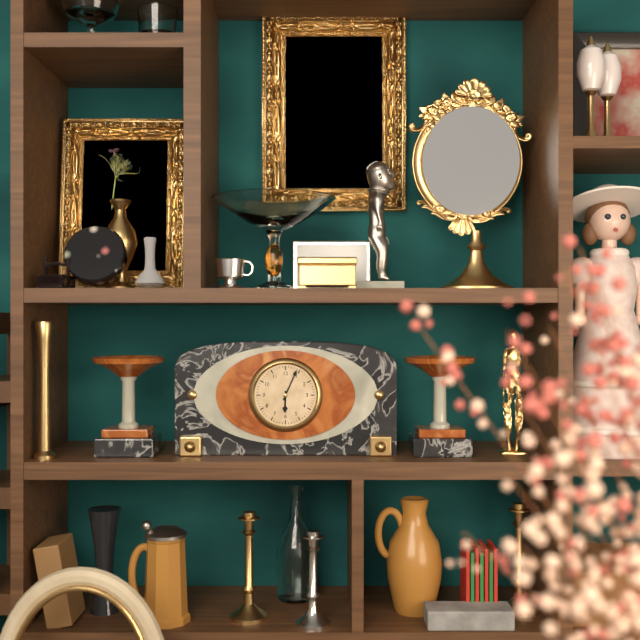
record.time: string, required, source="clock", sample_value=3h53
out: 6h04
